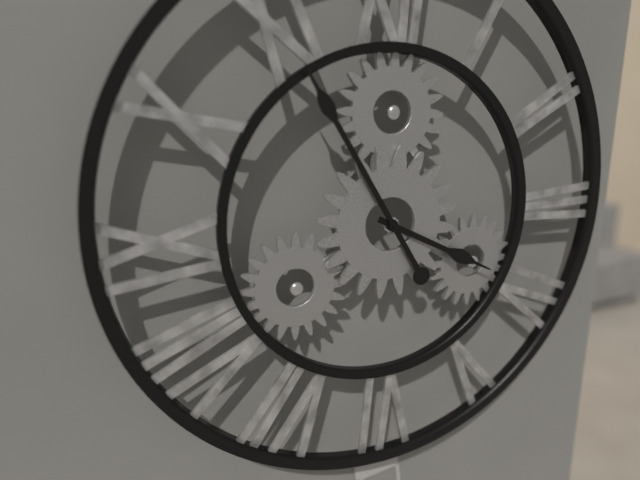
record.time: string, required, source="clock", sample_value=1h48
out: 3h55
